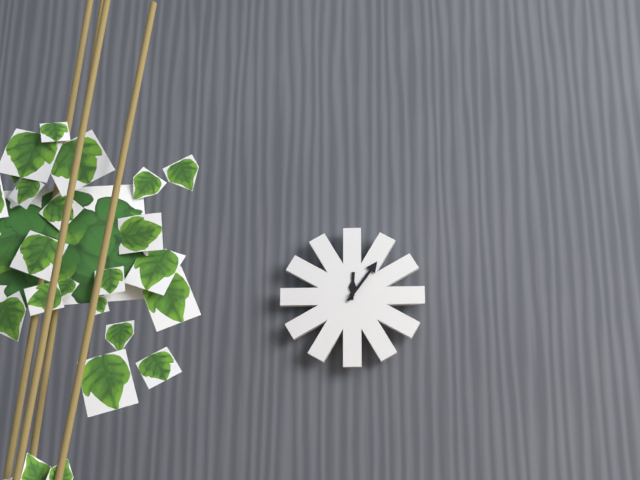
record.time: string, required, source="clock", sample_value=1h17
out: 12h06
